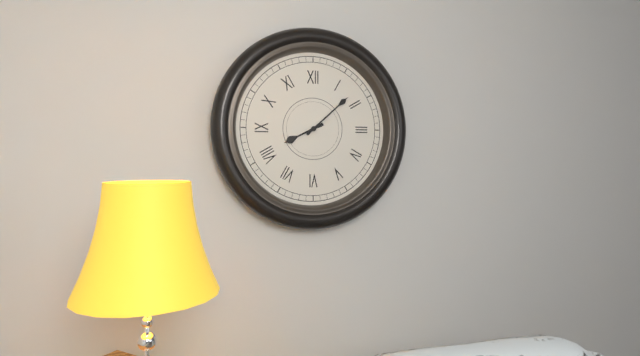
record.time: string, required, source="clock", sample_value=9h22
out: 8h08
